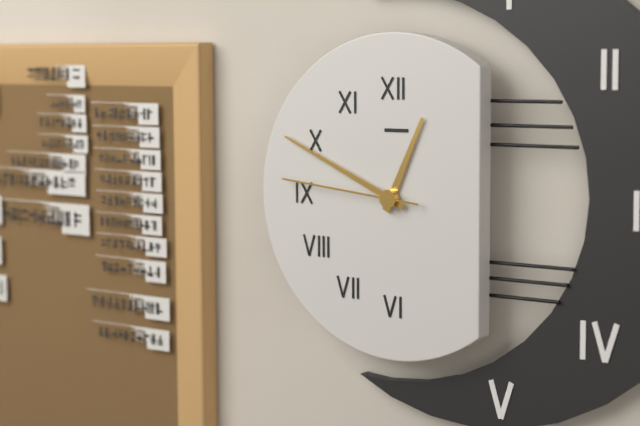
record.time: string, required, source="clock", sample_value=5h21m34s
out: 12h49m46s
